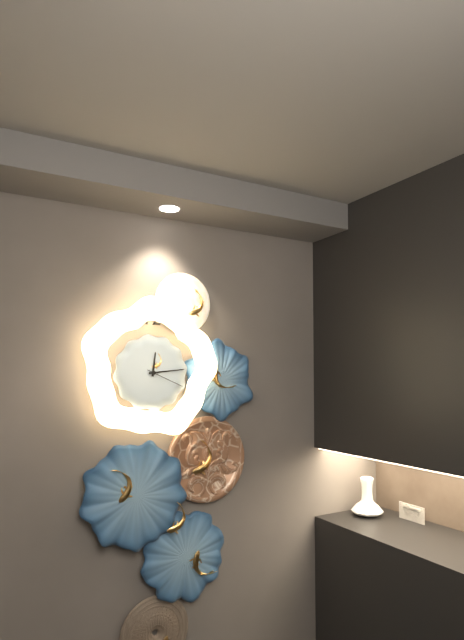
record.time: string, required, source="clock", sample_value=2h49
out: 12h14
